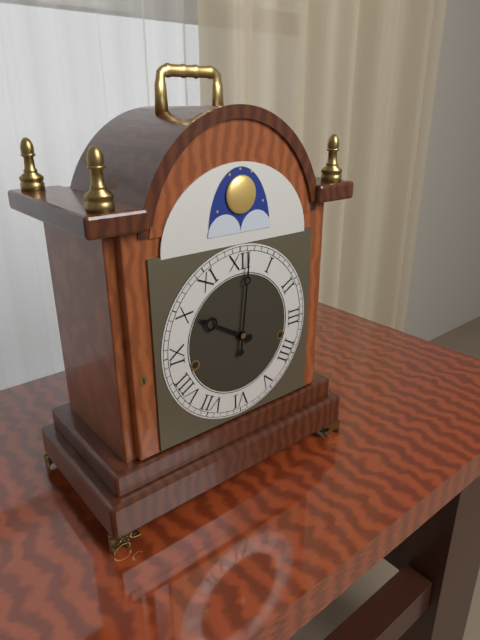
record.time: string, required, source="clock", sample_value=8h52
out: 10h01
